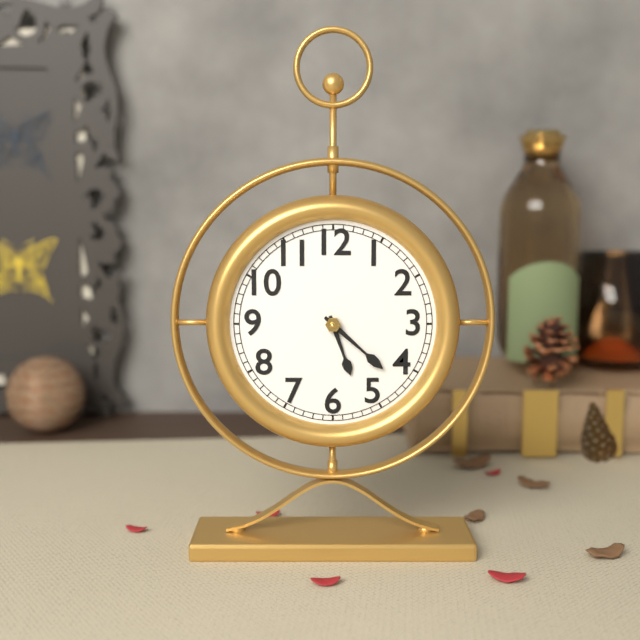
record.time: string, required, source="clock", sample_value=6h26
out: 5h22
